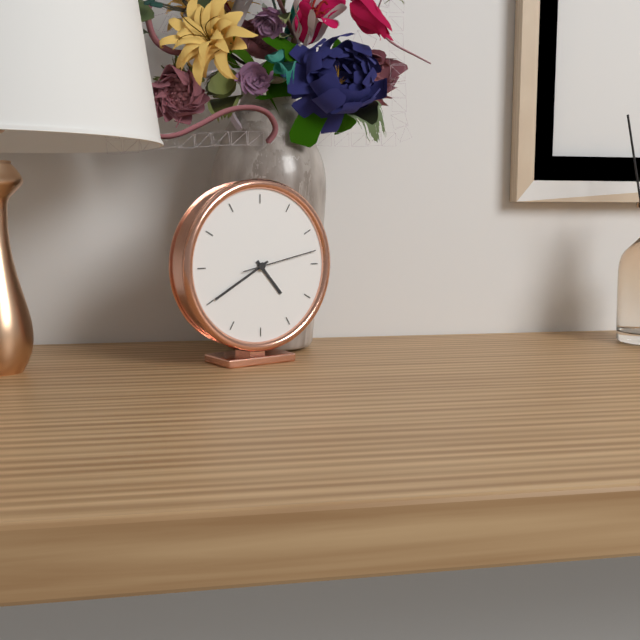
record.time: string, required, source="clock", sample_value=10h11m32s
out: 4h40m13s
